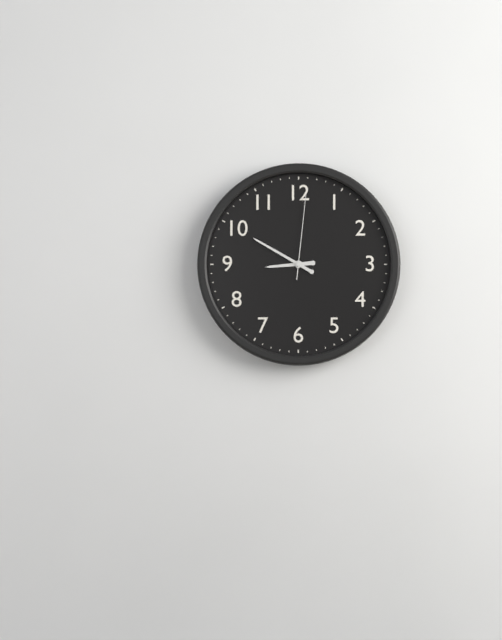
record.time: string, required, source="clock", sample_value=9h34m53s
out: 8h50m01s
